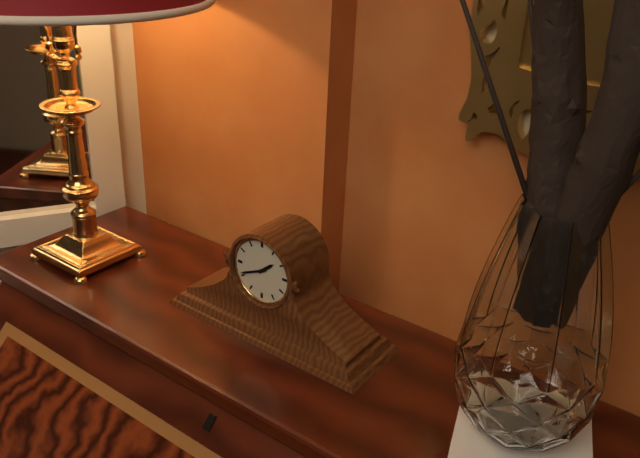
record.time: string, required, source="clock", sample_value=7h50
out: 1h41
